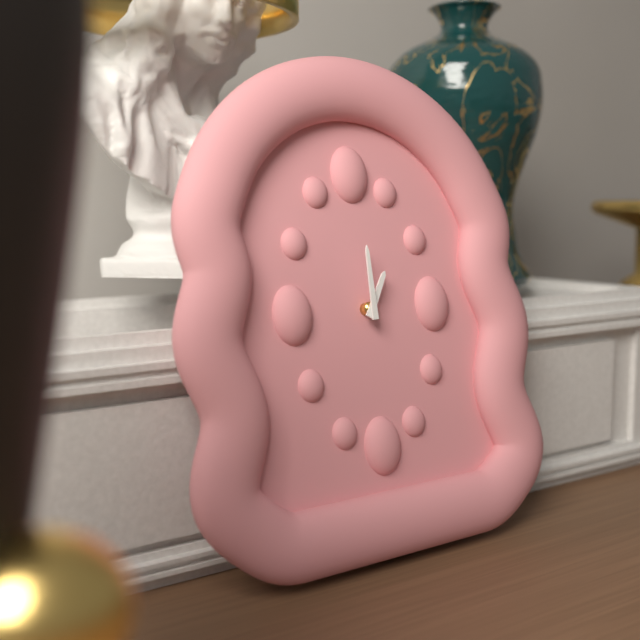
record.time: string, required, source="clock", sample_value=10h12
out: 1h00
